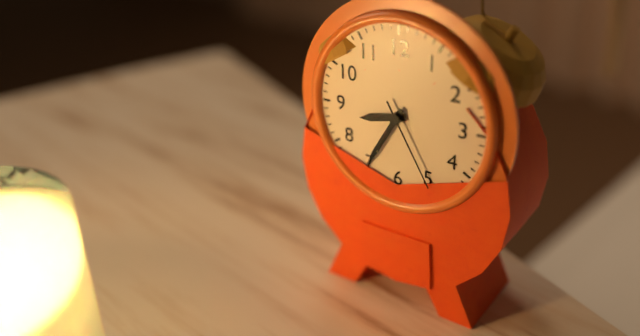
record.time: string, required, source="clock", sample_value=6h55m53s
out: 8h35m25s
